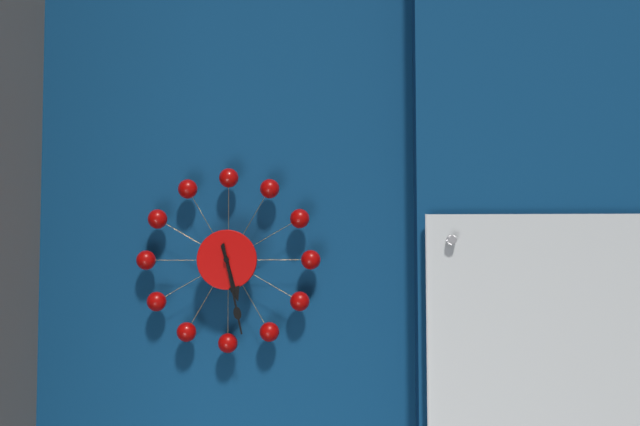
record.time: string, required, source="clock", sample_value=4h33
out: 5h28
